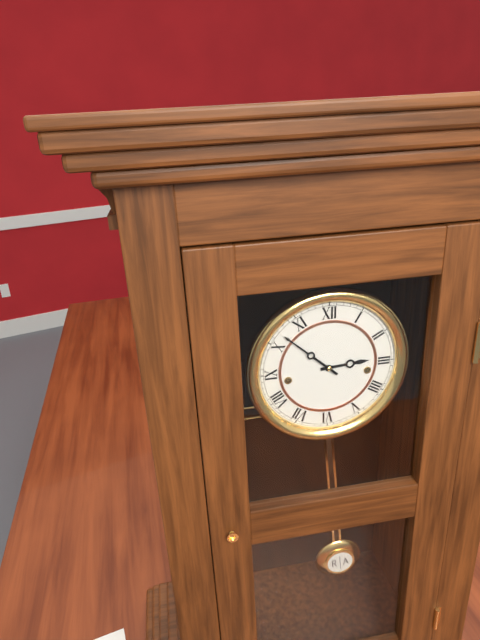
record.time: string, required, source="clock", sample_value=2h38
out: 2h52
